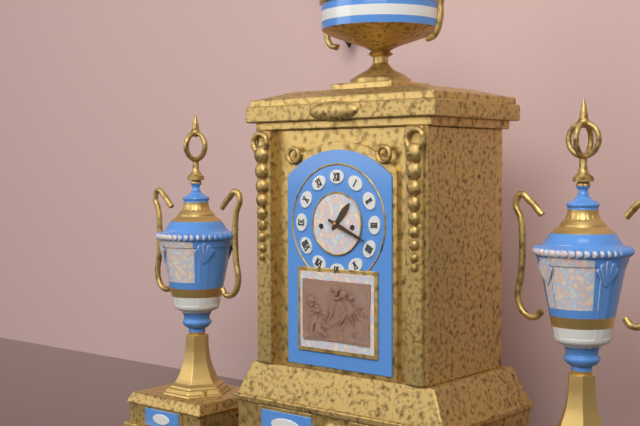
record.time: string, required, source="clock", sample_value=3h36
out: 1h19
